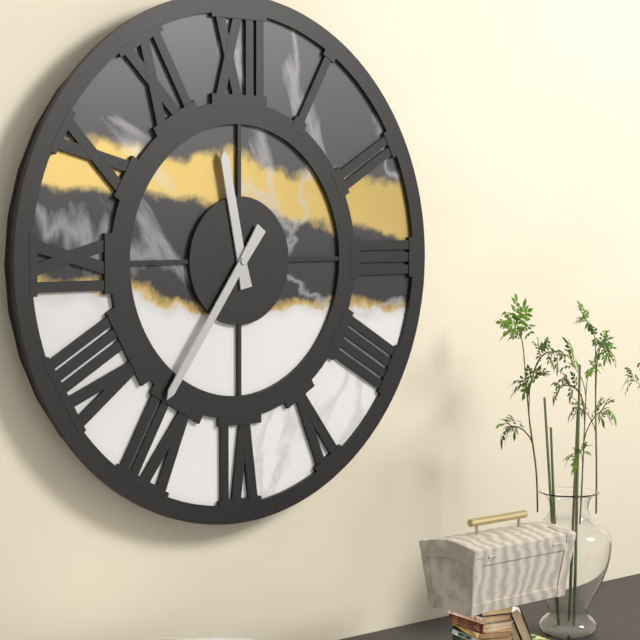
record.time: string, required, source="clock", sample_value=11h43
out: 11h36
